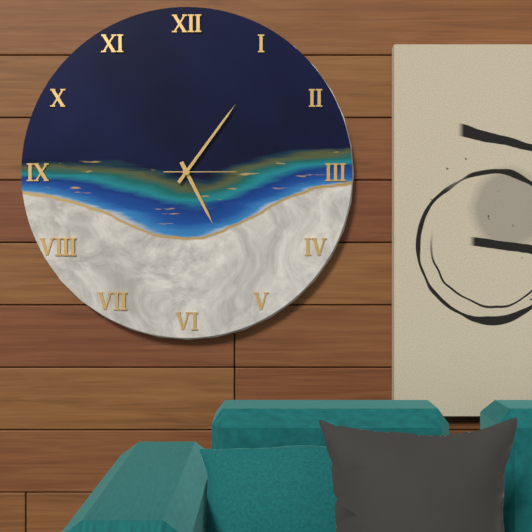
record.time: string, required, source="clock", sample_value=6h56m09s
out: 5h06m15s
